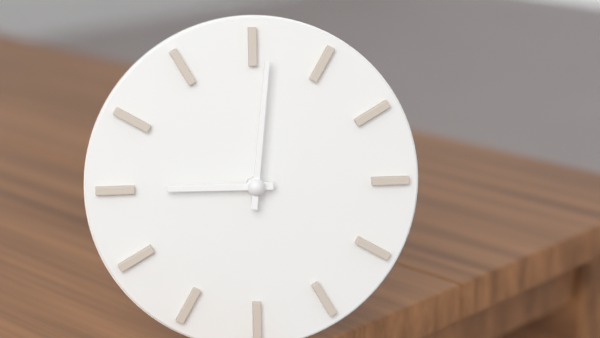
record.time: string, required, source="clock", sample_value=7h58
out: 9h01
